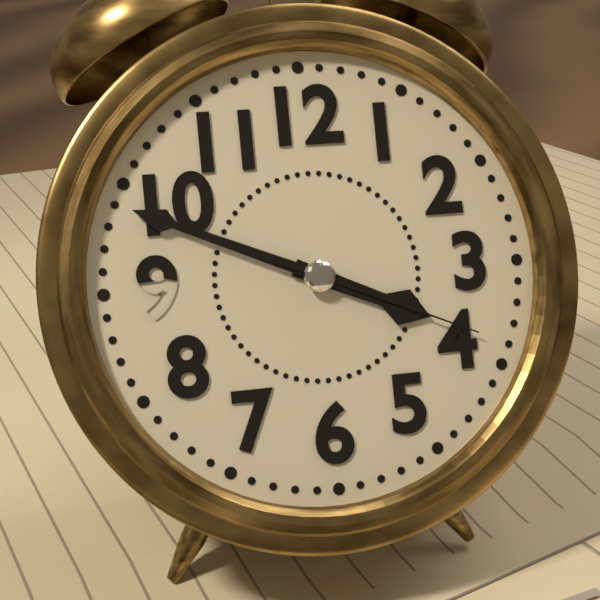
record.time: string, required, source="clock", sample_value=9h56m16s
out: 3h49m19s
